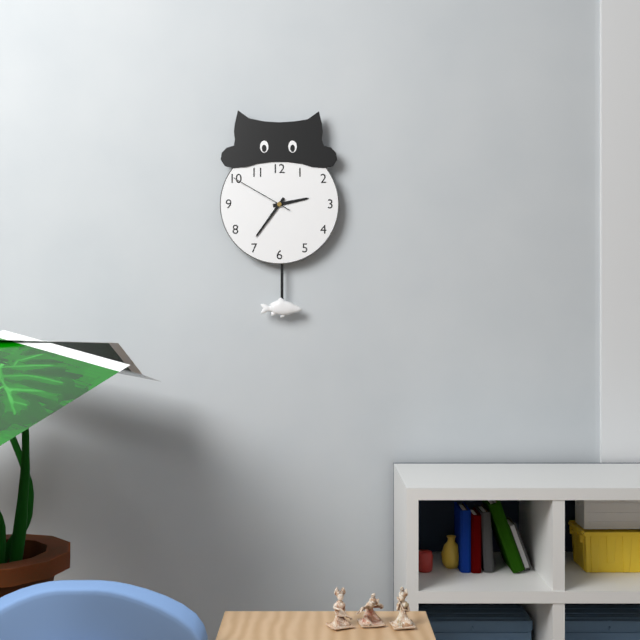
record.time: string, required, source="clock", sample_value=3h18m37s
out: 2h36m50s
